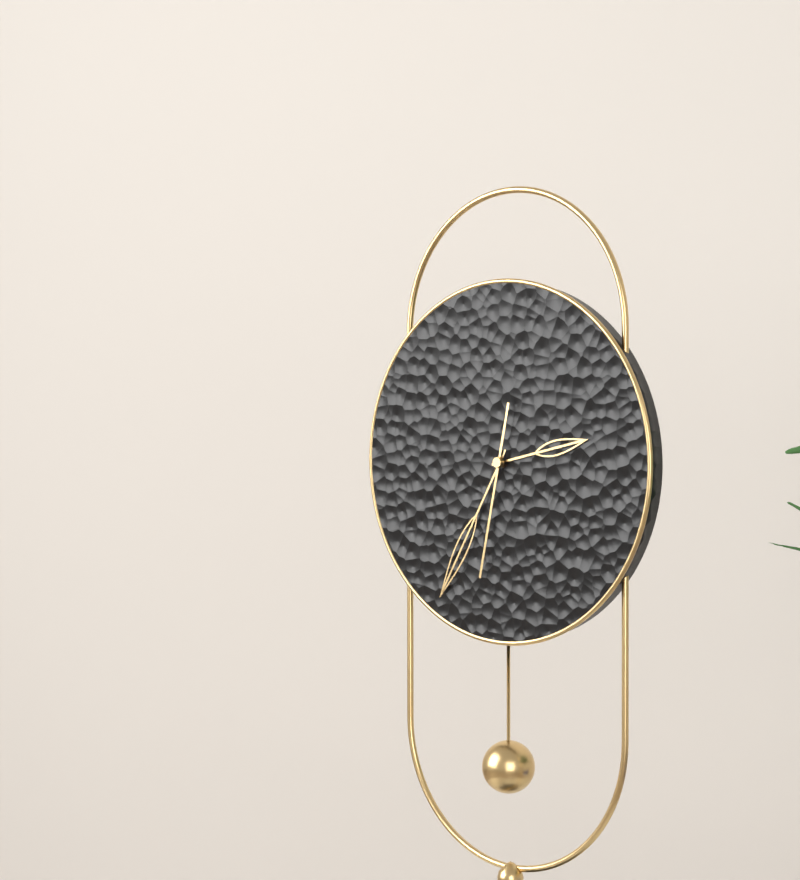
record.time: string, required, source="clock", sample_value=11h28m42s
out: 2h35m32s
